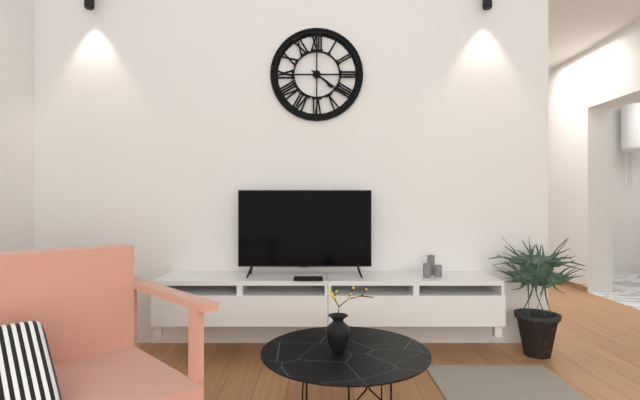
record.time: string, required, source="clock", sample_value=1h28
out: 4h21
